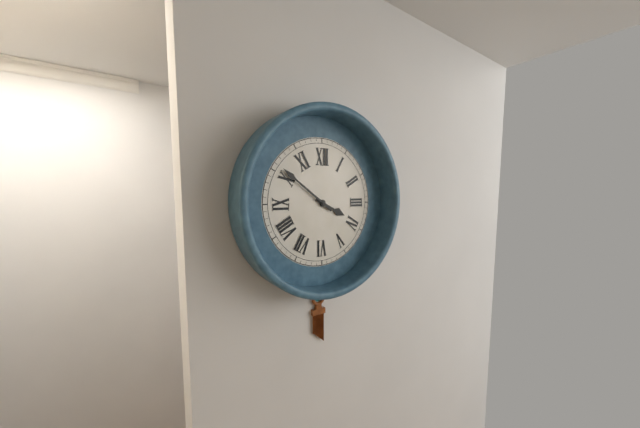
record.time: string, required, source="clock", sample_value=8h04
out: 3h51
